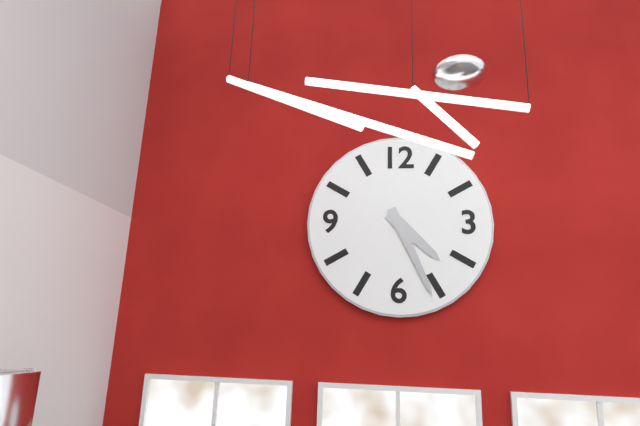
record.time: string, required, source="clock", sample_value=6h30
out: 4h26
